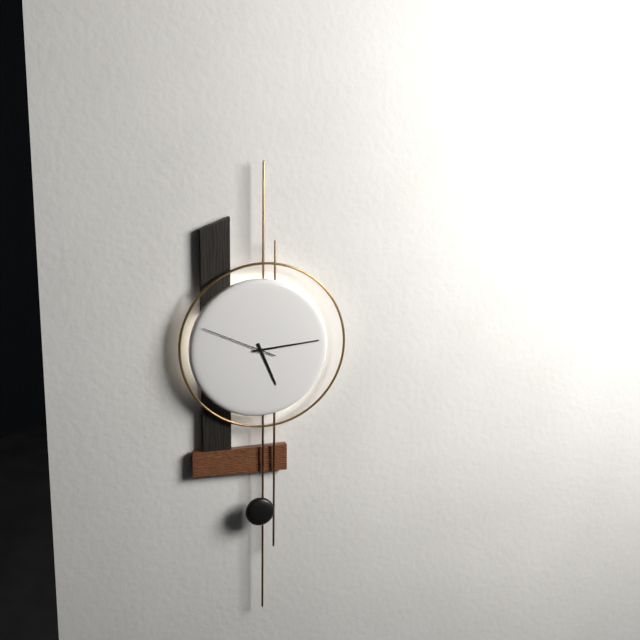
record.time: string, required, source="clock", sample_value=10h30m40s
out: 5h14m49s
